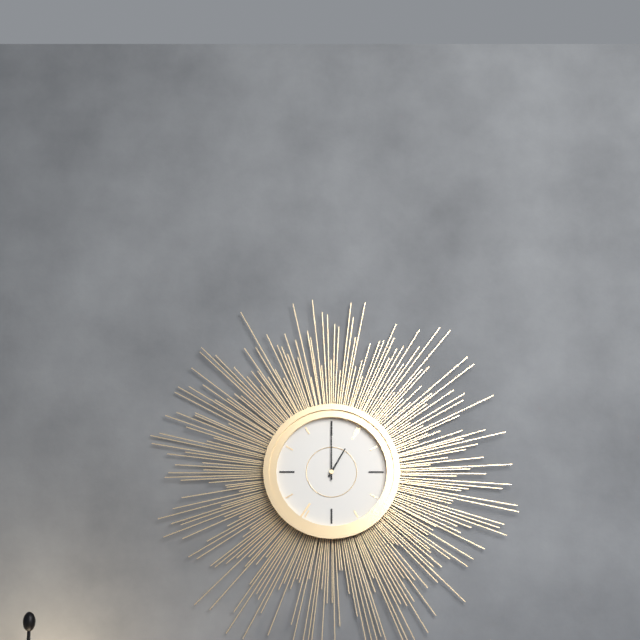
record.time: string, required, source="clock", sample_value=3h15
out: 1h00
